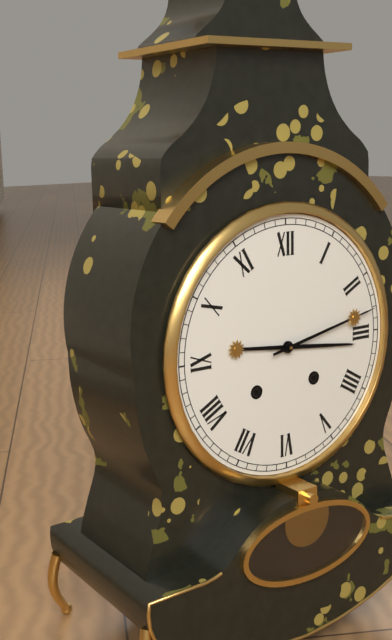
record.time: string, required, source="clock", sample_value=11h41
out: 3h13
